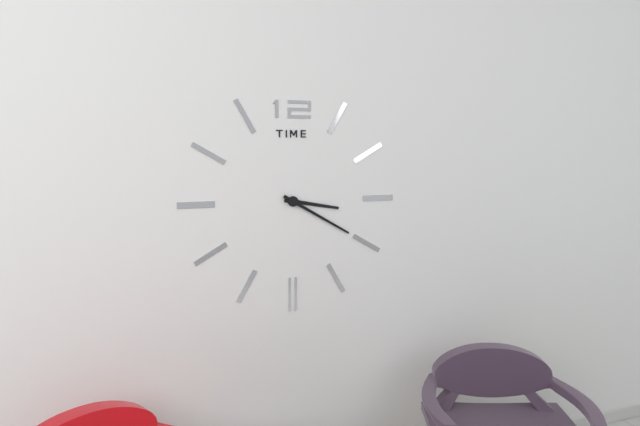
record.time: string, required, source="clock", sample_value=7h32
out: 3h20
